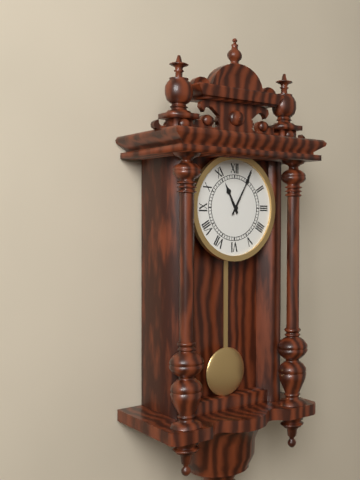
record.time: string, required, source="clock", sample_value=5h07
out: 11h05
